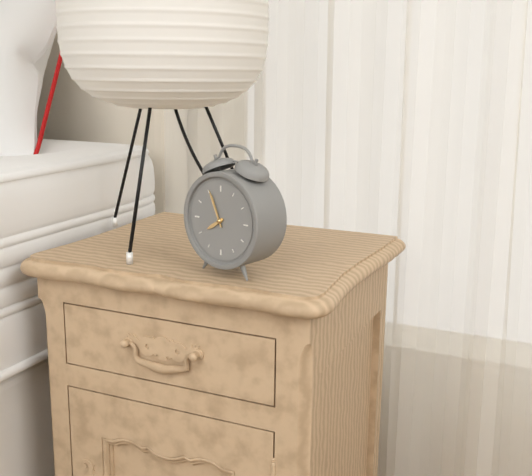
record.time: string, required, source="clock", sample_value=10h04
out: 7h56
